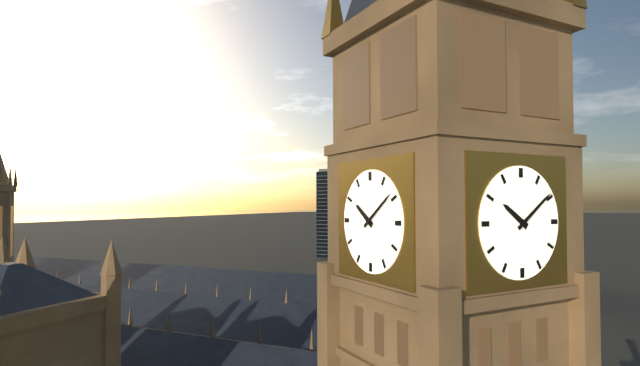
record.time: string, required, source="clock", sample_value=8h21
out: 10h09
